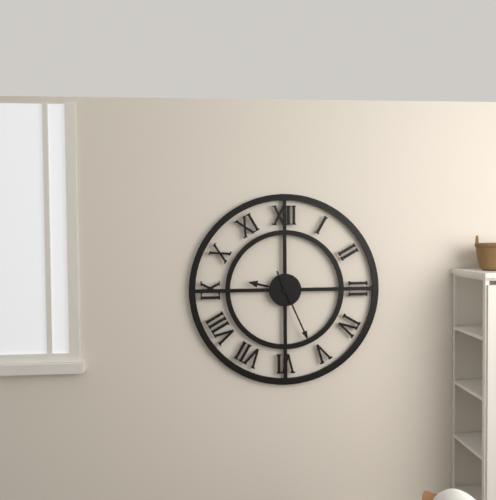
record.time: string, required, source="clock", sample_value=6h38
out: 9h26
